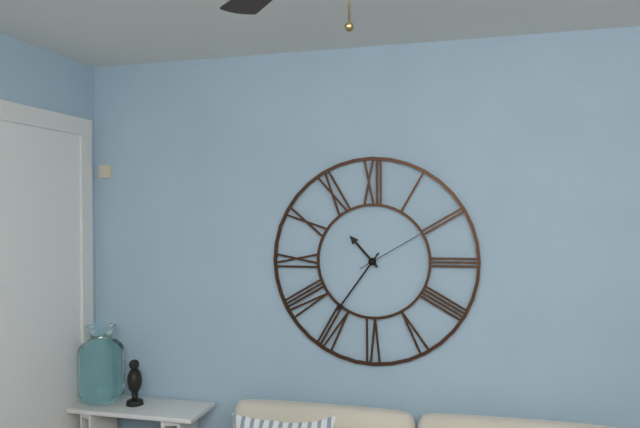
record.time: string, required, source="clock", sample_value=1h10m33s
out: 10h36m10s
